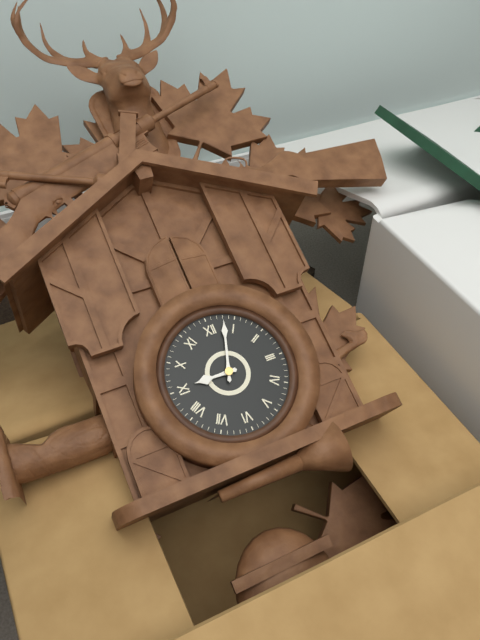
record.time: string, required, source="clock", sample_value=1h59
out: 9h03
